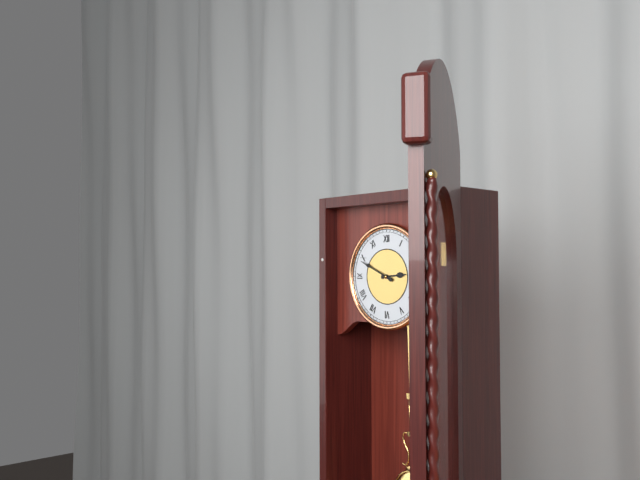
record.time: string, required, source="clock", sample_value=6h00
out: 2h49
